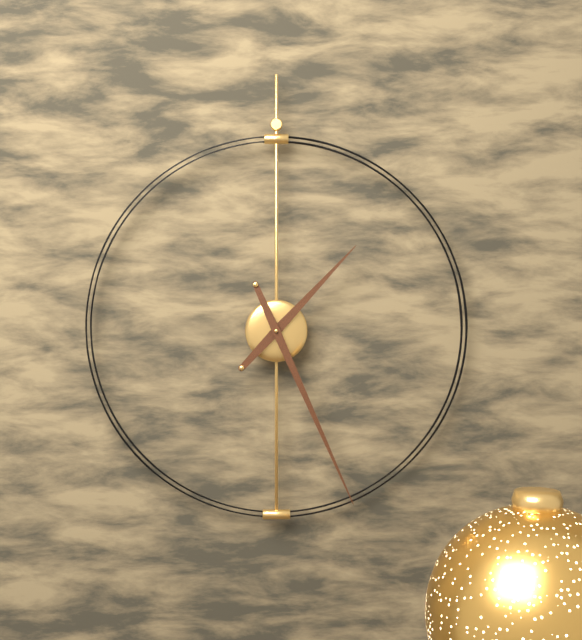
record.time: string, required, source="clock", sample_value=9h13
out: 1h26
